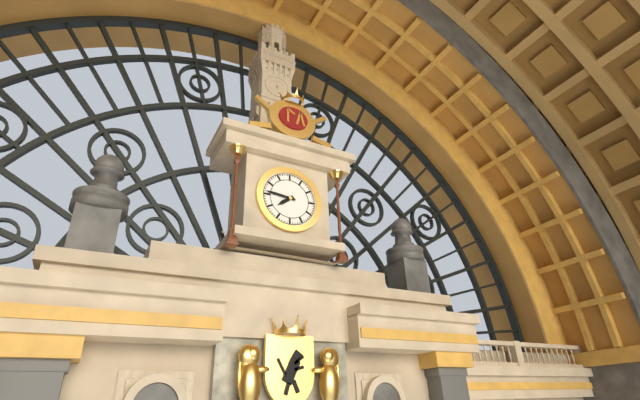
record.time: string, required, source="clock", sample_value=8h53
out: 7h46
